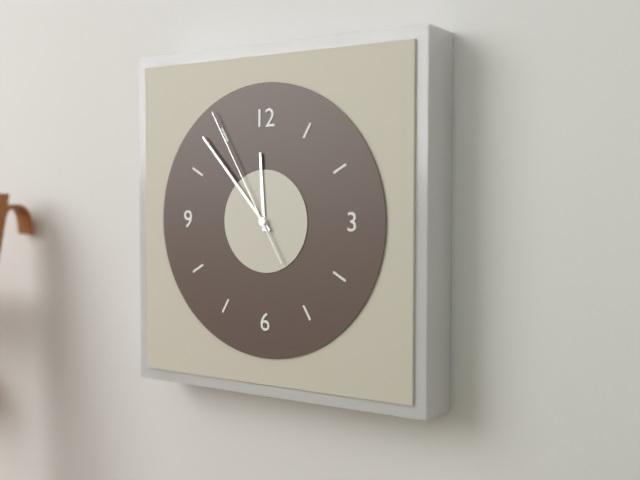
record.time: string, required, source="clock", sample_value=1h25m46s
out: 11h53m55s
